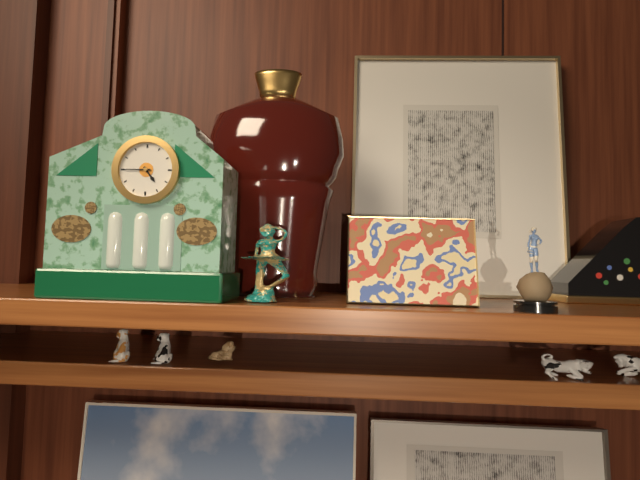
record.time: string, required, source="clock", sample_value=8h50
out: 4h45
